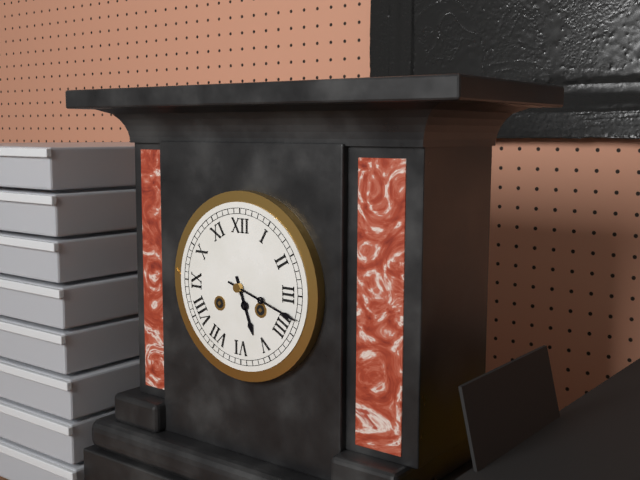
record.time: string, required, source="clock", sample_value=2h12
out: 5h18
